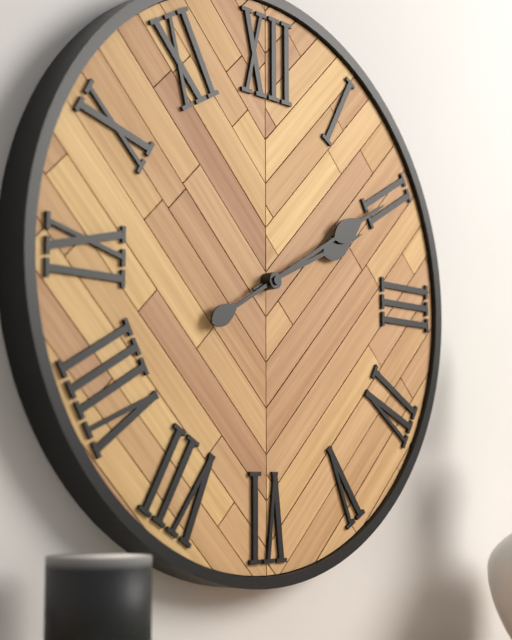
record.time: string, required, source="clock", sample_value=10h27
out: 2h10
